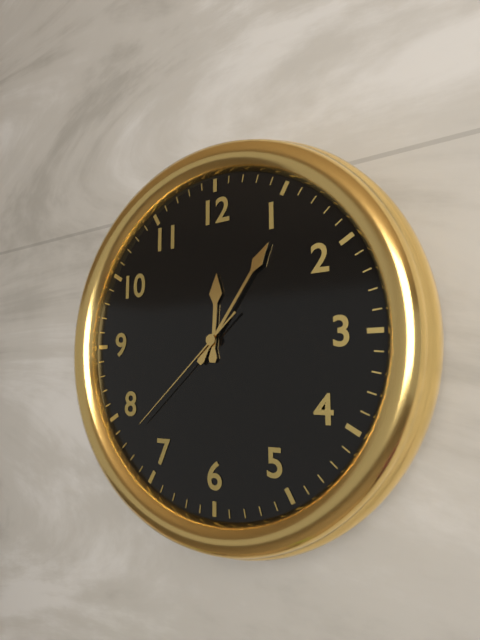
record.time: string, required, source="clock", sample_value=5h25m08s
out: 12h06m38s
